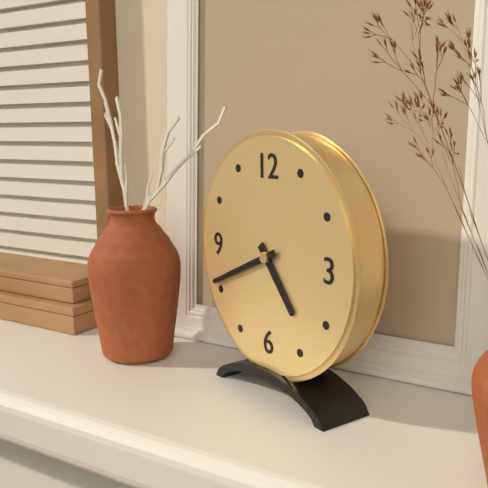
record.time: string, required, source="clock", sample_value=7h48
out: 4h41
